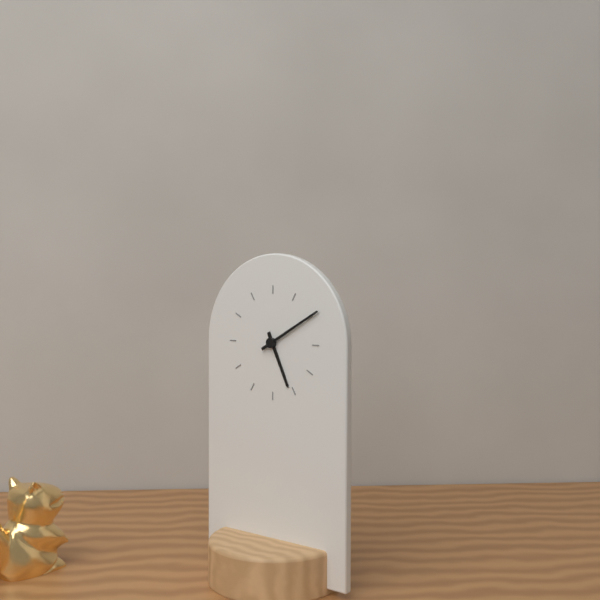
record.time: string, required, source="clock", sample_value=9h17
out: 5h10
